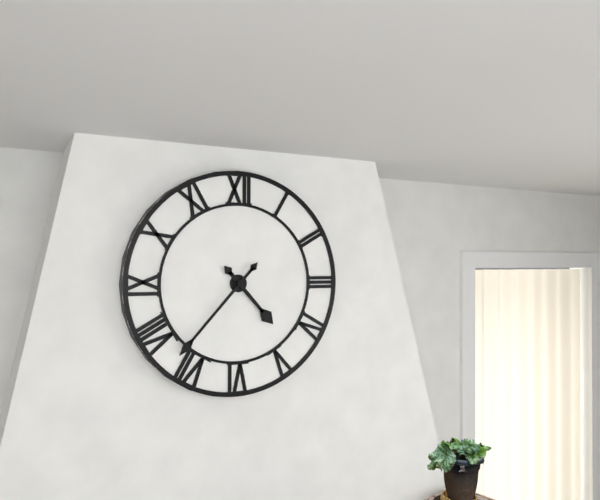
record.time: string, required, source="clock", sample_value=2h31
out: 4h37
